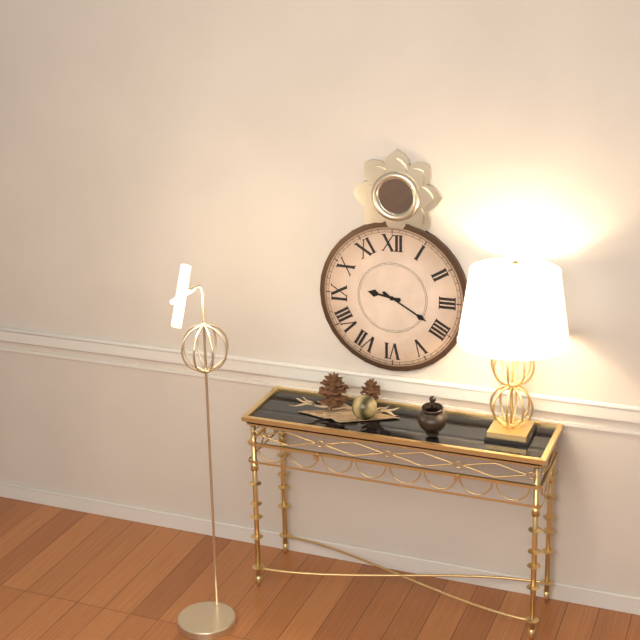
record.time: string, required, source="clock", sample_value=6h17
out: 9h20
